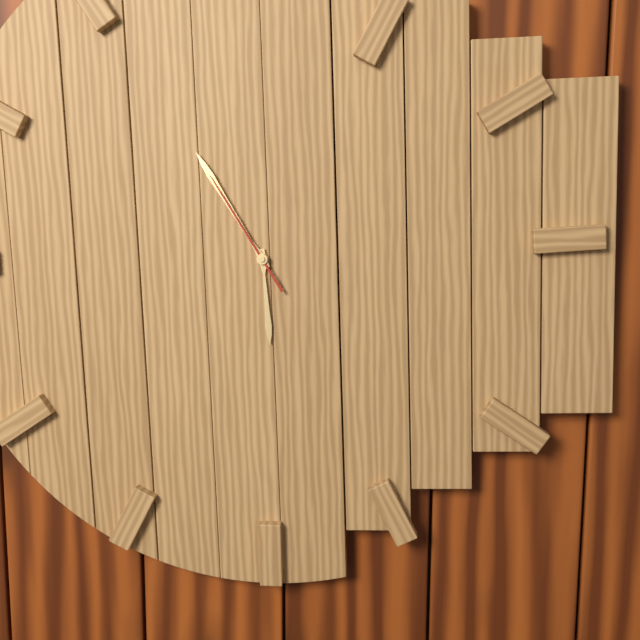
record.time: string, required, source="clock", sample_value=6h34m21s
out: 5h55m55s
